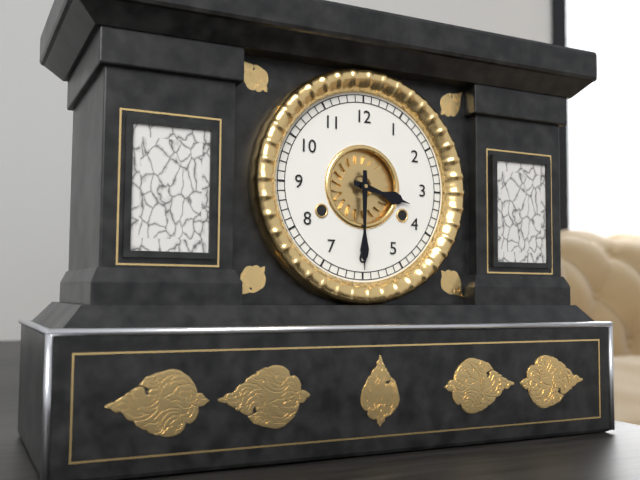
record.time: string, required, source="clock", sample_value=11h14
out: 3h30
